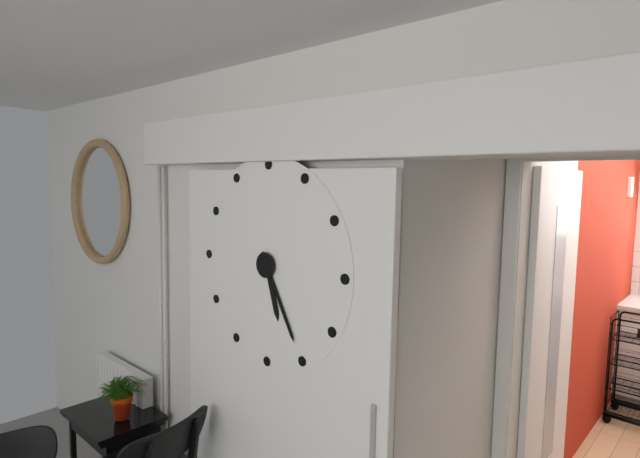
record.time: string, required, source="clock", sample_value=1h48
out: 5h25
